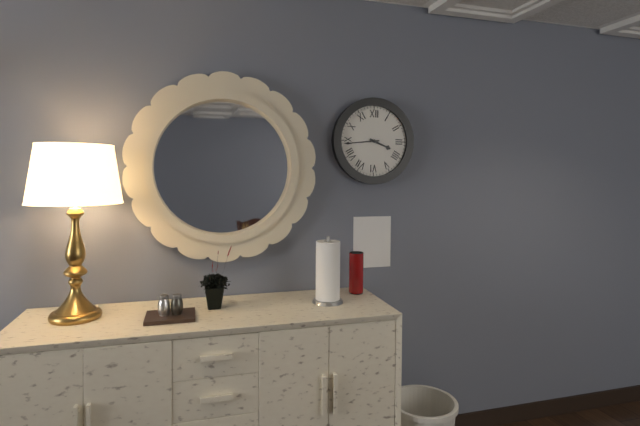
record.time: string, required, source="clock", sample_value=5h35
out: 3h44
